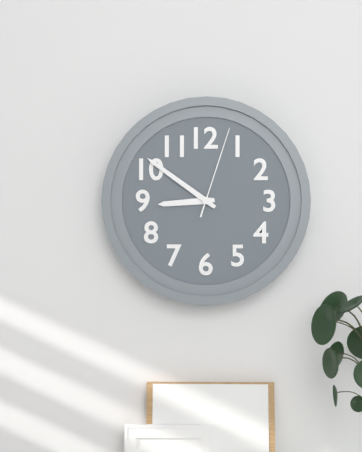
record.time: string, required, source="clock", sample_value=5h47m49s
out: 8h51m03s
